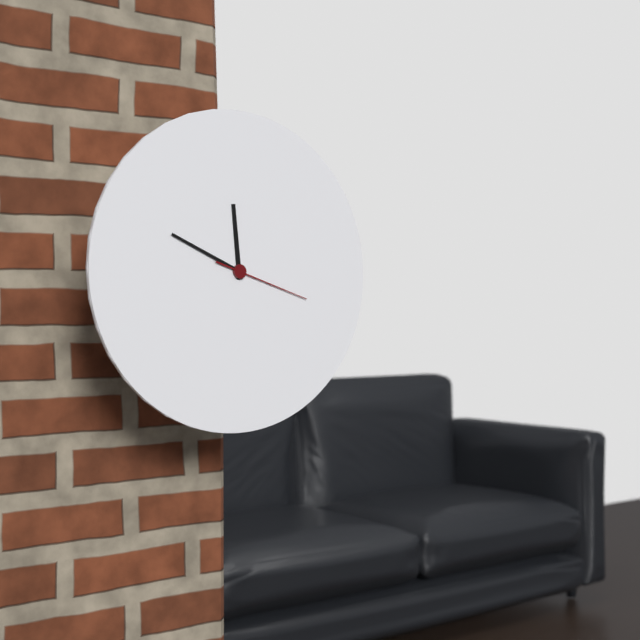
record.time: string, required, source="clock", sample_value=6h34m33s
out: 11h49m18s
